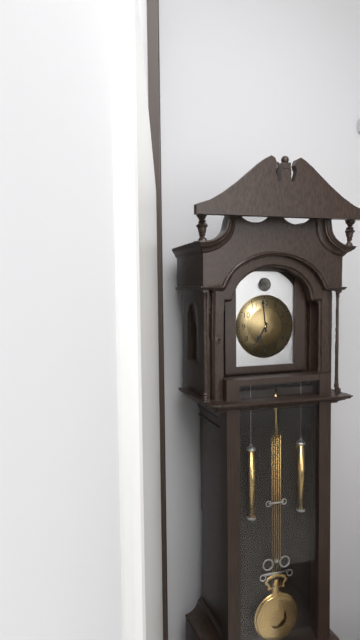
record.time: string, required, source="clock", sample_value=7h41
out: 6h59
